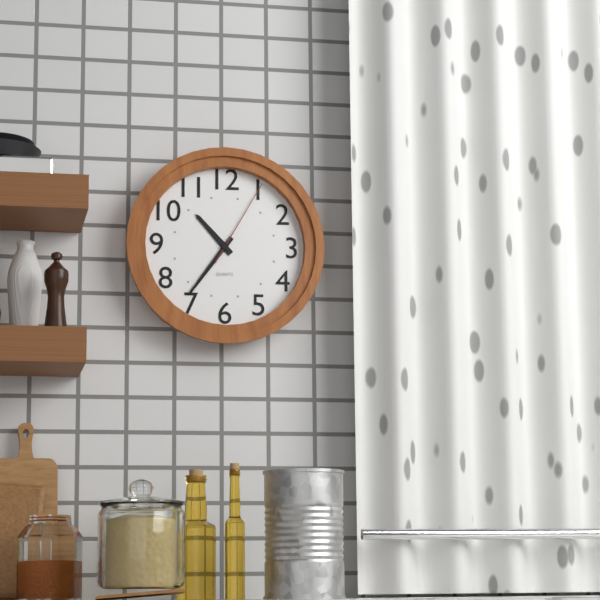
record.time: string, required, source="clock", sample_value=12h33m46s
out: 10h36m05s
